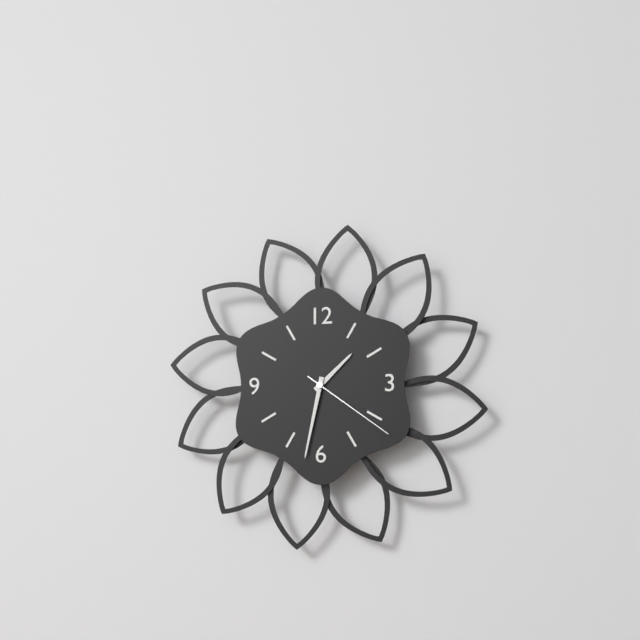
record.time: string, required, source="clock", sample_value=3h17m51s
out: 1h32m21s
